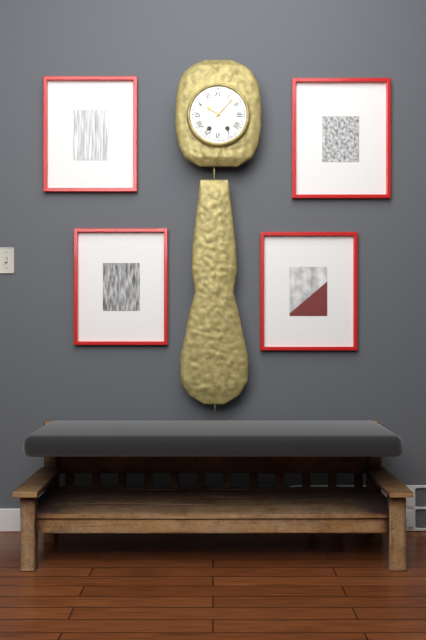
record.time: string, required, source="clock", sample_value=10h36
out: 10h07
